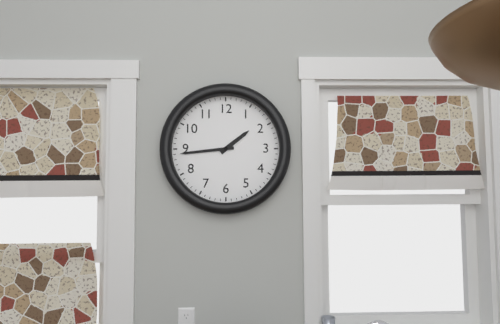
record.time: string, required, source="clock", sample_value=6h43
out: 1h44
